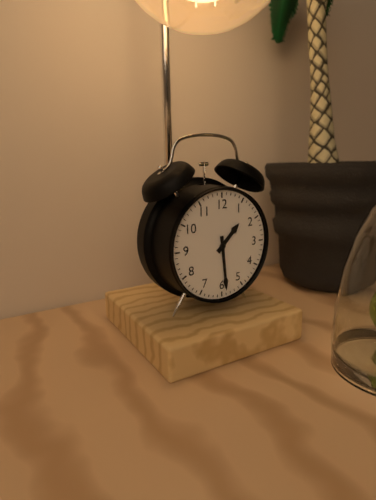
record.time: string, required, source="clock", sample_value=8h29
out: 1h29
